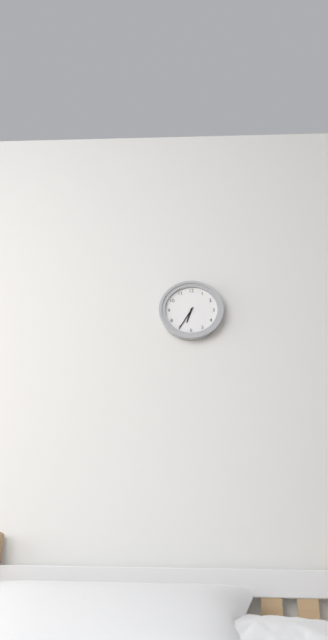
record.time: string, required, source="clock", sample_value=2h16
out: 6h35
